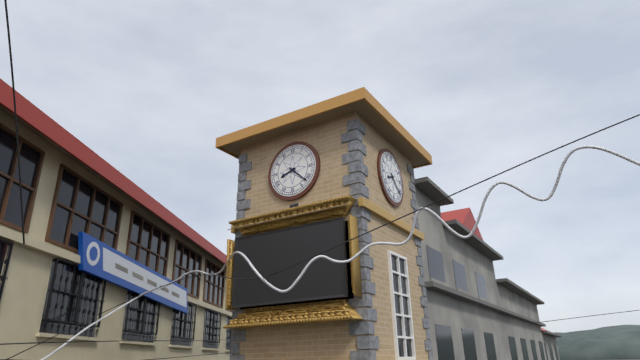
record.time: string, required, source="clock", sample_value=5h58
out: 8h22
